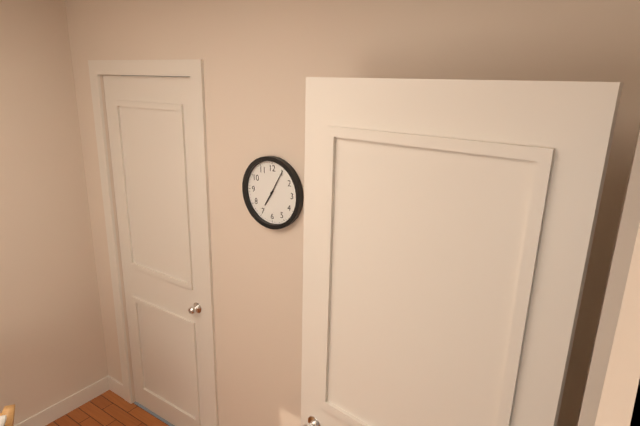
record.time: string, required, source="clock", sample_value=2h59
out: 7h05
